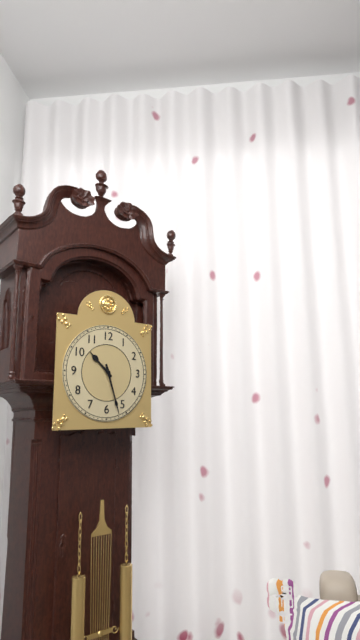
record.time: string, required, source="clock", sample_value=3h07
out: 10h27
